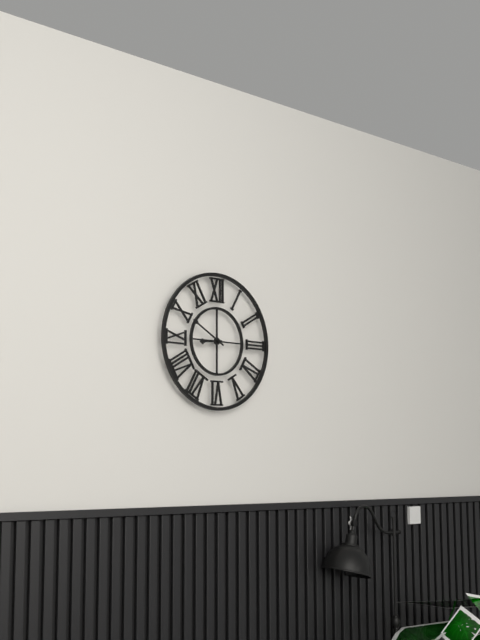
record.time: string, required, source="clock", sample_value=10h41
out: 8h50
